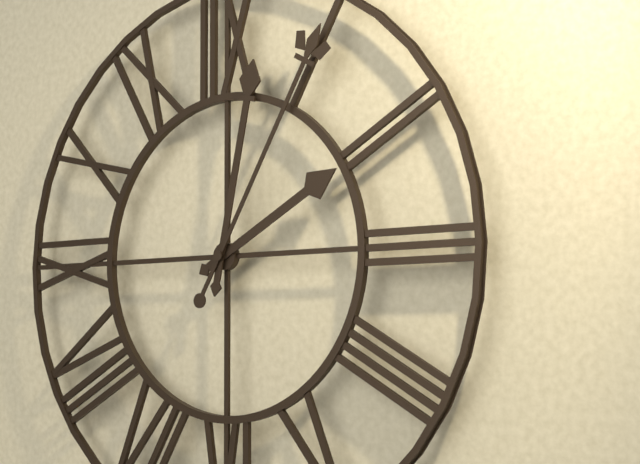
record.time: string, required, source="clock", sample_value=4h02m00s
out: 2h02m05s
